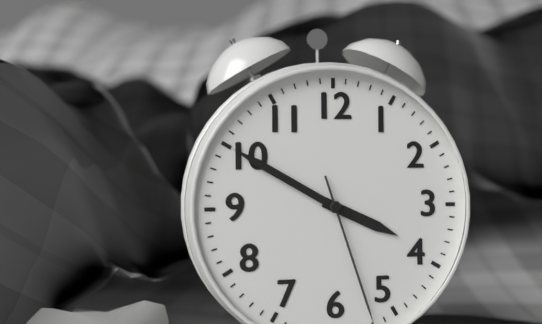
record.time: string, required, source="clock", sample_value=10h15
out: 3h50
